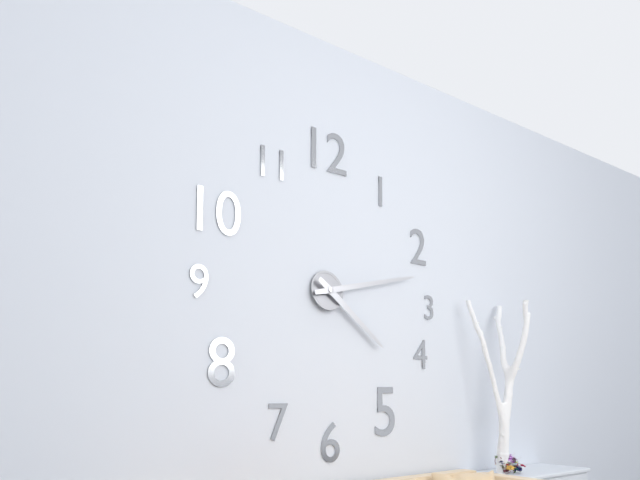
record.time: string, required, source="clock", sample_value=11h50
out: 4h13
